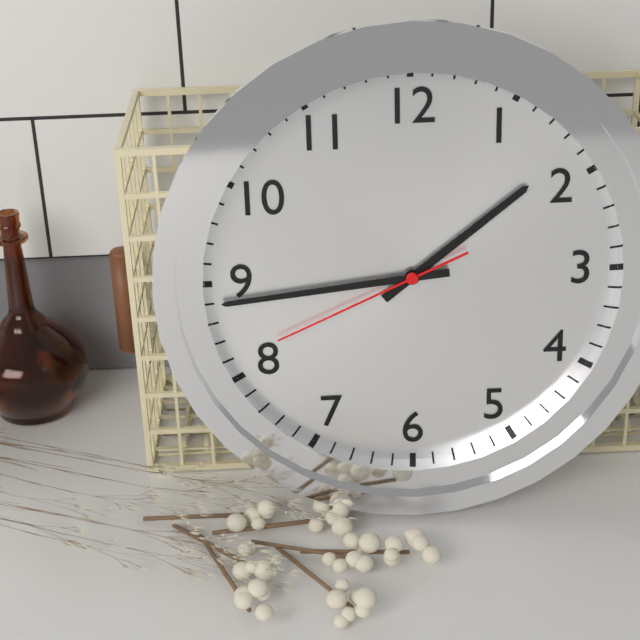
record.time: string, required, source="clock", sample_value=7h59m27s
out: 1h44m41s
